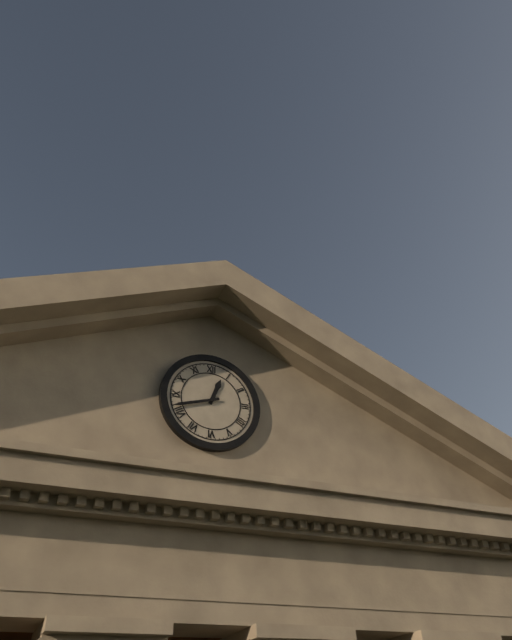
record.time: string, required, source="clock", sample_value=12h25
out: 12h42
